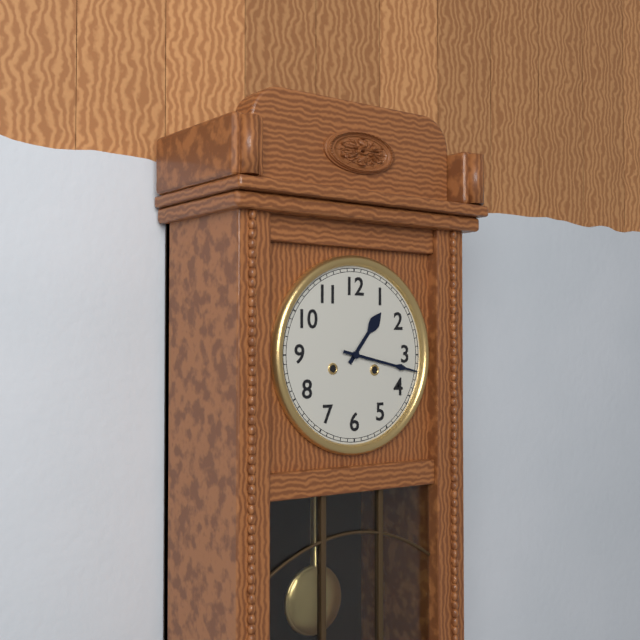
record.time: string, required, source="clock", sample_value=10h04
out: 1h17
